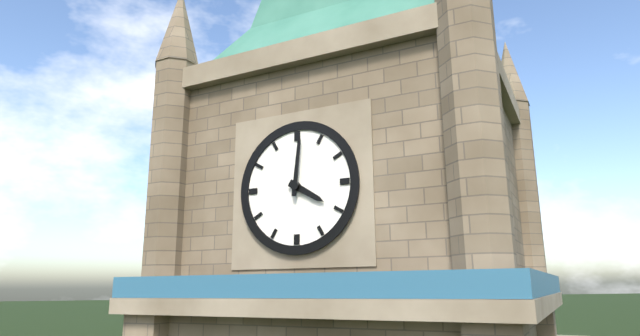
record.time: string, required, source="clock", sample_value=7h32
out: 4h01
